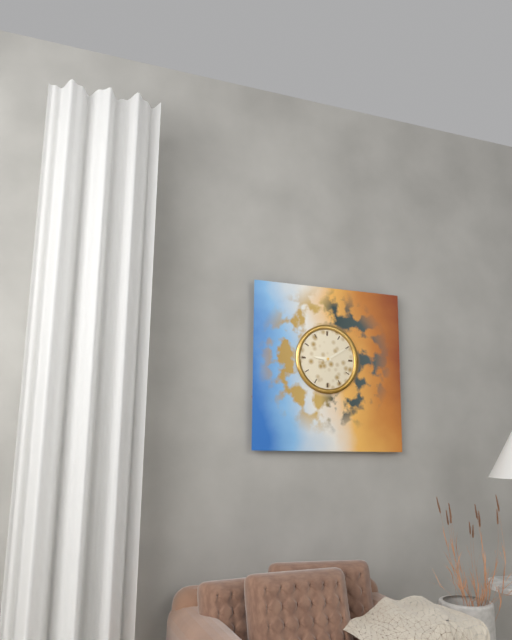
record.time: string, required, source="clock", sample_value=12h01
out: 9h10
